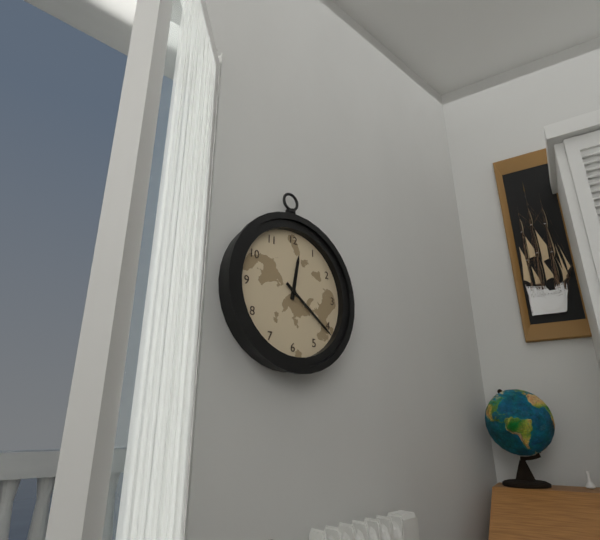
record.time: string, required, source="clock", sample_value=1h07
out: 12h21
